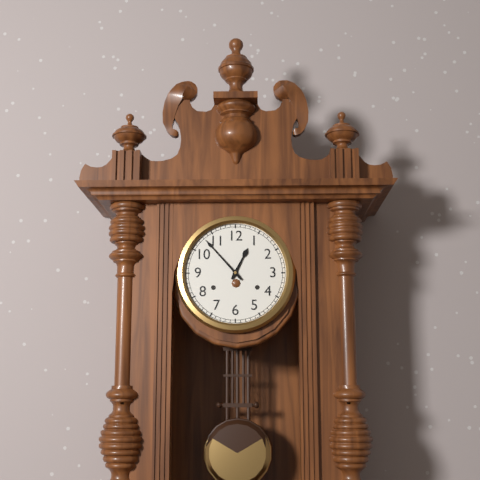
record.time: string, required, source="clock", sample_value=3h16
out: 12h53
